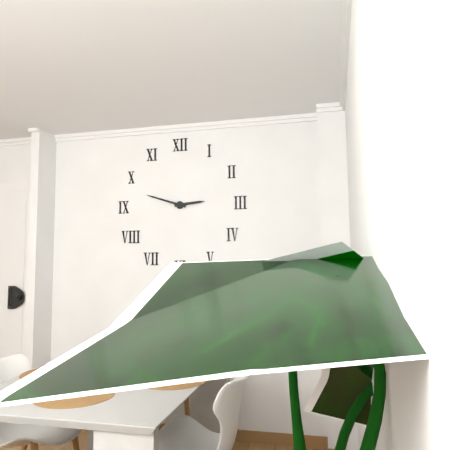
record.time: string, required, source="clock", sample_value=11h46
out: 2h48
